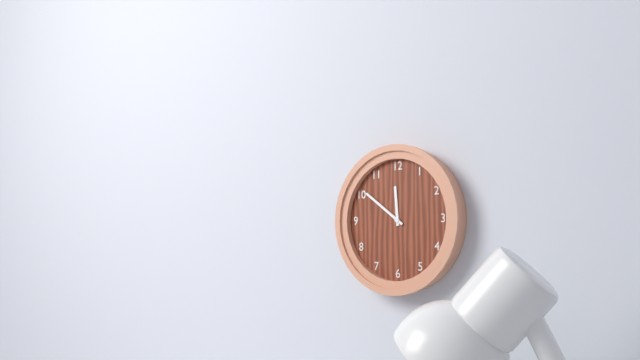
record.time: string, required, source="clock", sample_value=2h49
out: 11h51
